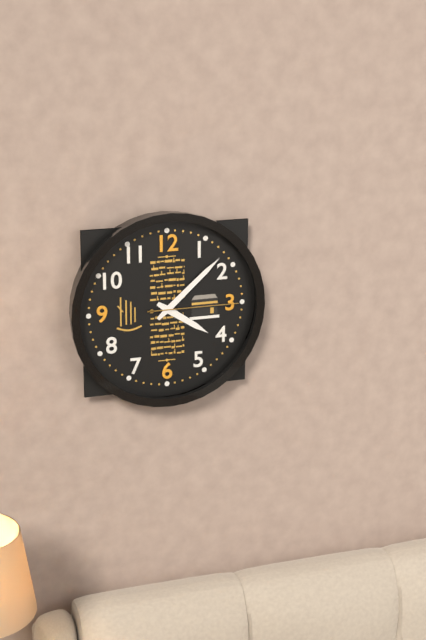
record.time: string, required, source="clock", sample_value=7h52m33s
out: 4h08m15s
